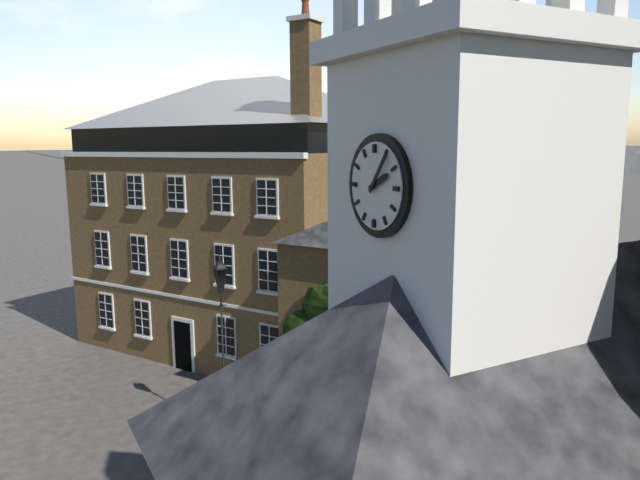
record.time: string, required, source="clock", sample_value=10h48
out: 2h06
